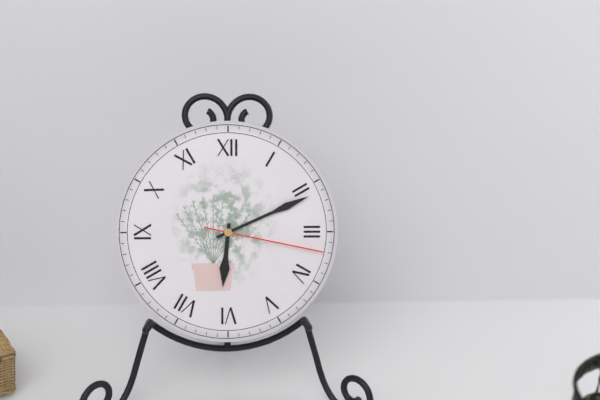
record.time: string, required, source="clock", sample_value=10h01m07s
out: 6h11m17s
